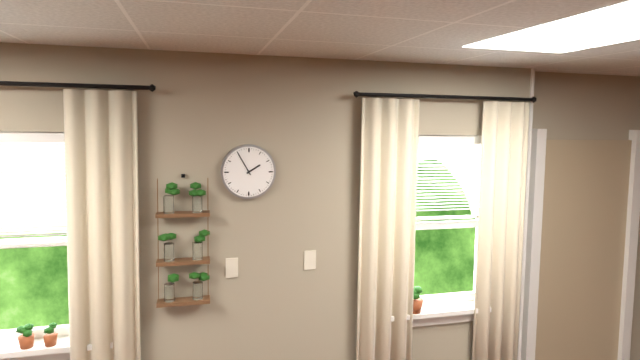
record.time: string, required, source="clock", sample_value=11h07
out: 1h55
